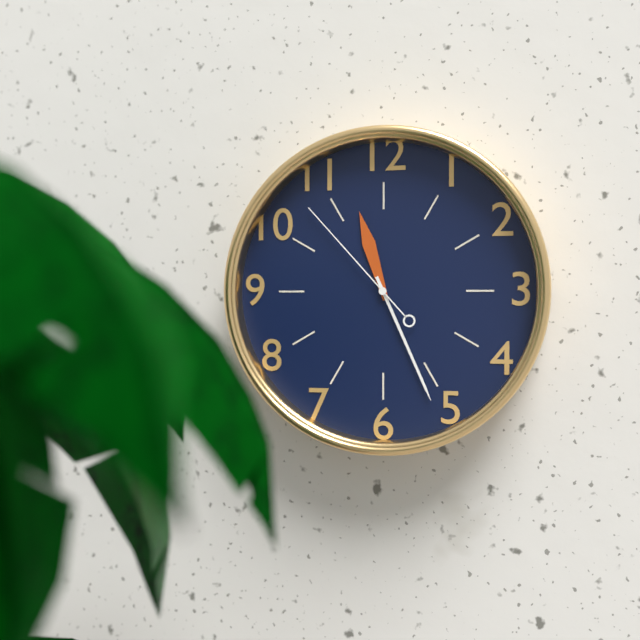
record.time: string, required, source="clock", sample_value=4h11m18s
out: 11h26m53s
